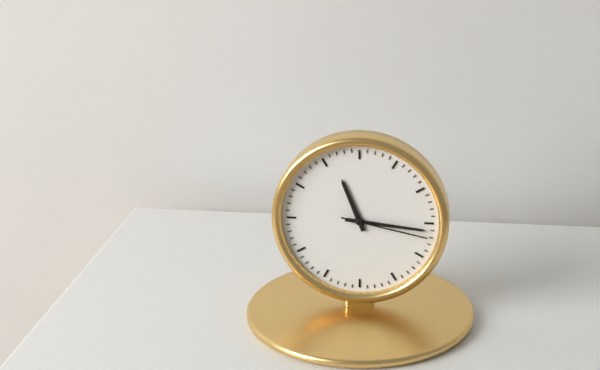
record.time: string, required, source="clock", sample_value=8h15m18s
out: 11h16m17s
